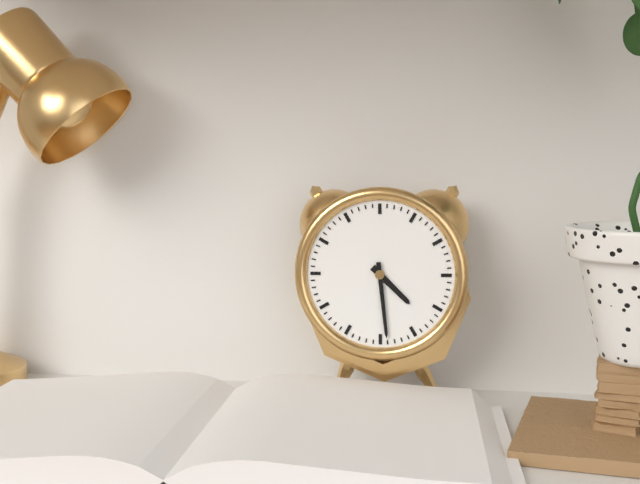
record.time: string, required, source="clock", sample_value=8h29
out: 4h29
